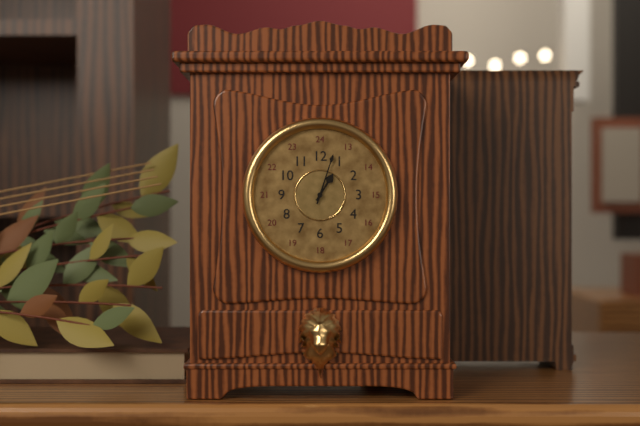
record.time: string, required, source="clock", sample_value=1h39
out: 1h03
